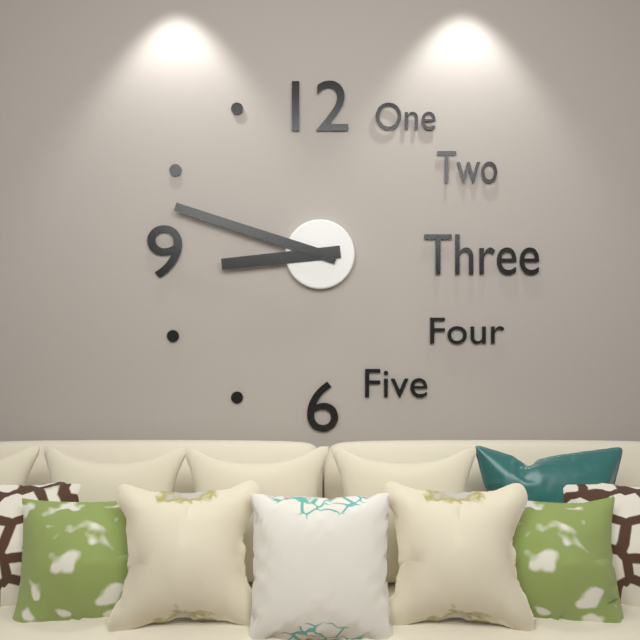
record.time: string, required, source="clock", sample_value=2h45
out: 8h48
